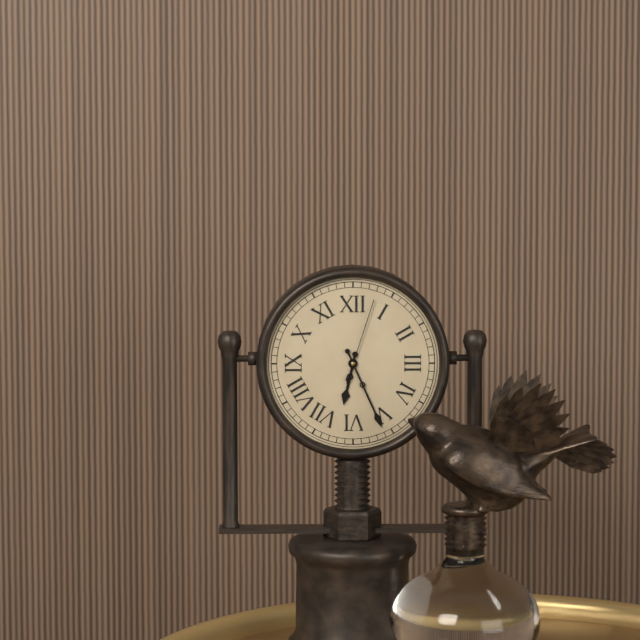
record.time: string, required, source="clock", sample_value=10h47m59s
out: 6h26m03s
